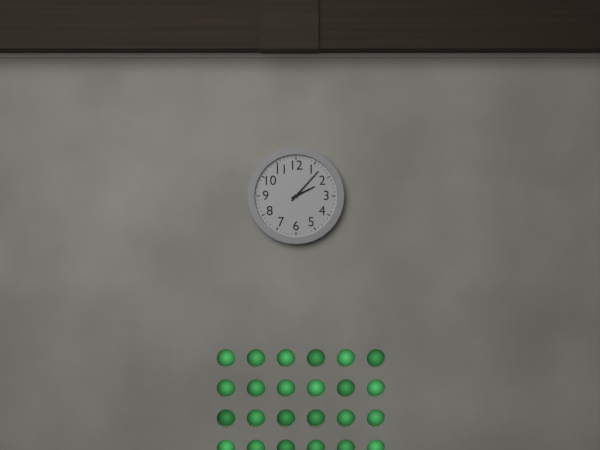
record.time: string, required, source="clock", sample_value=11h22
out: 2h07
